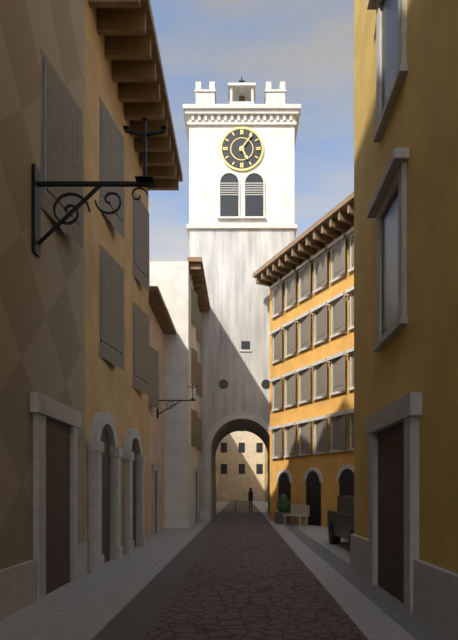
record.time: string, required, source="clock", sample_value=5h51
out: 5h06
